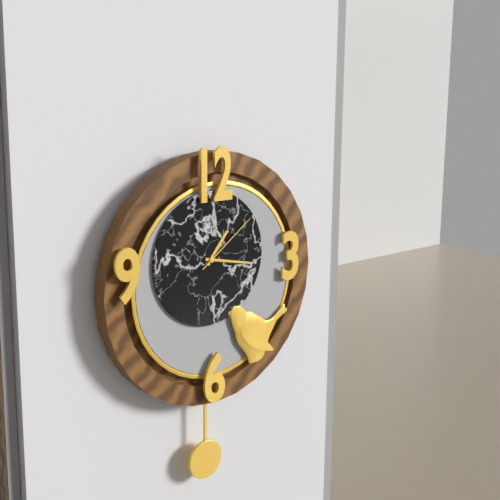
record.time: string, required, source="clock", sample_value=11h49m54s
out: 1h17m09s
